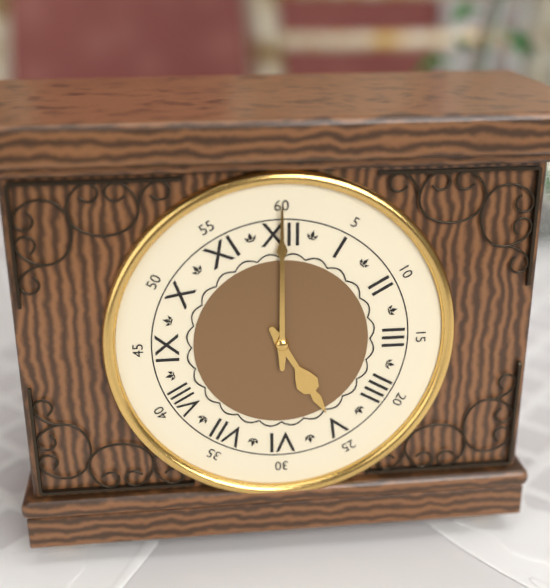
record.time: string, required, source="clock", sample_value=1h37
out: 5h00
